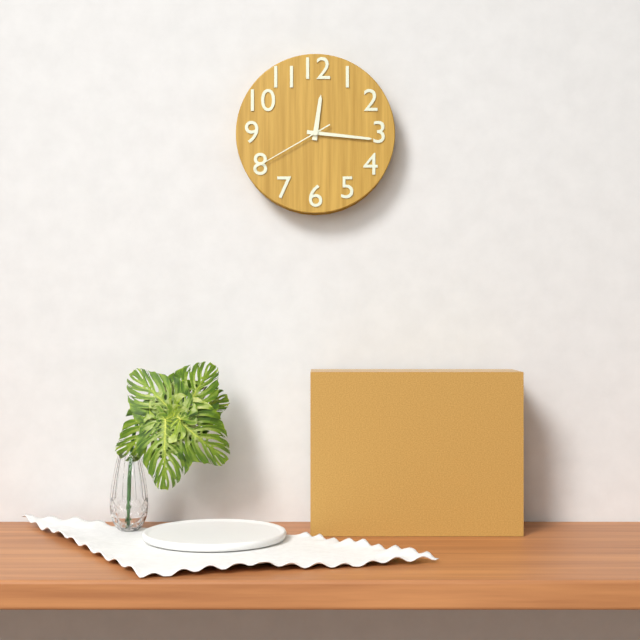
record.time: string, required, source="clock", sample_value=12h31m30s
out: 12h16m40s
